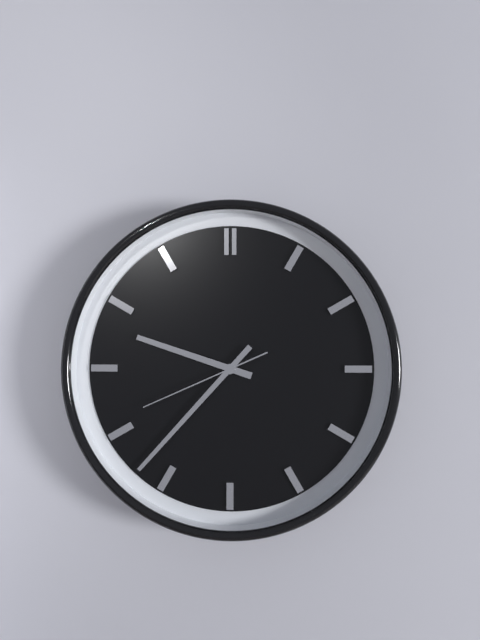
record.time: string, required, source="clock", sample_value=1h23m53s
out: 9h37m41s
